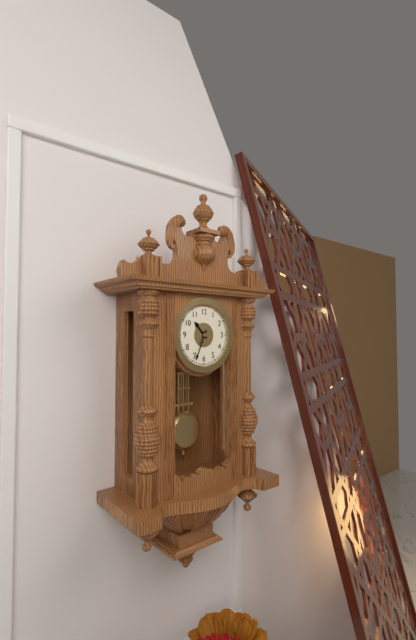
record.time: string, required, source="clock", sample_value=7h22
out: 10h34
